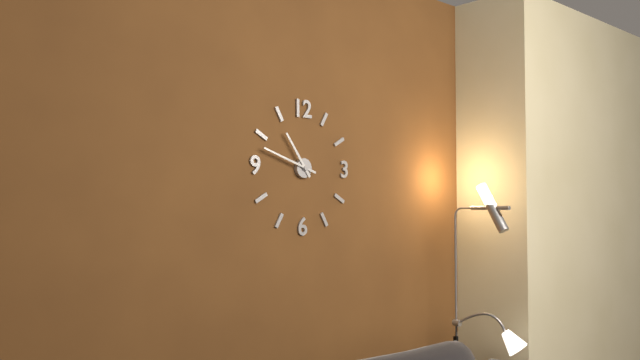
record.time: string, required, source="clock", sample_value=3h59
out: 10h48
